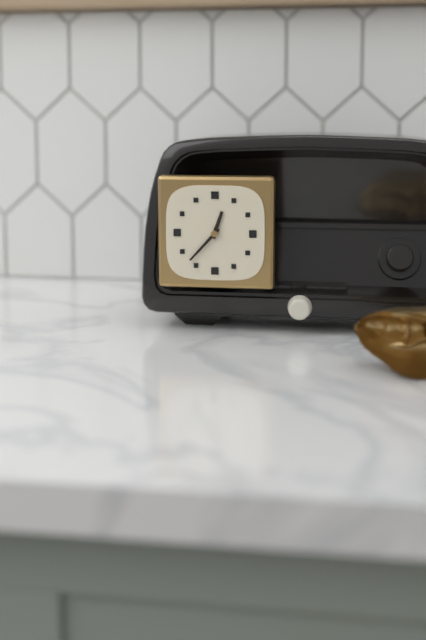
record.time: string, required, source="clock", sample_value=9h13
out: 12h37
